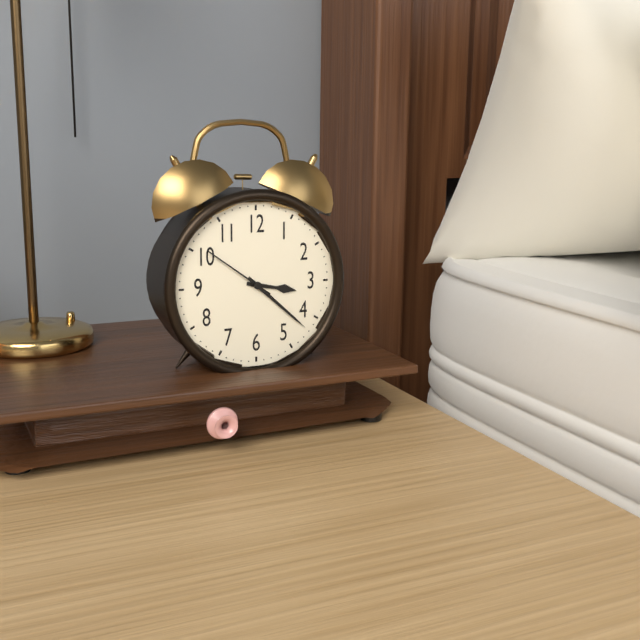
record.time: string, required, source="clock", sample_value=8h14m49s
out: 3h22m51s
